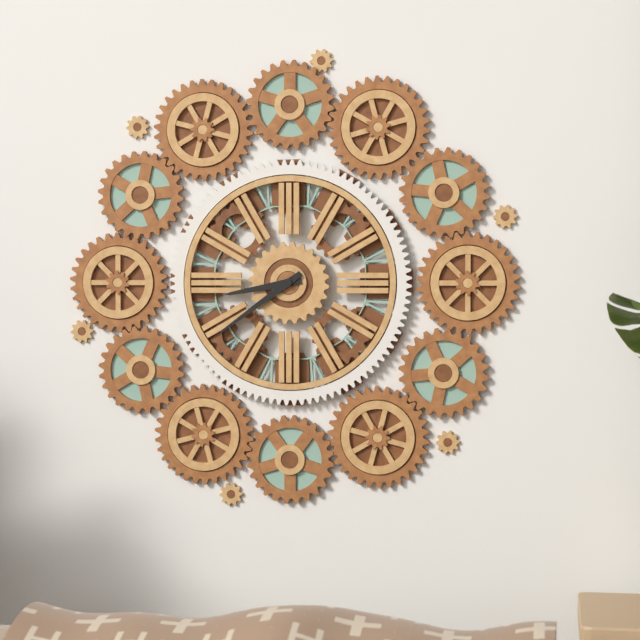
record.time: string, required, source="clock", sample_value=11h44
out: 8h39
